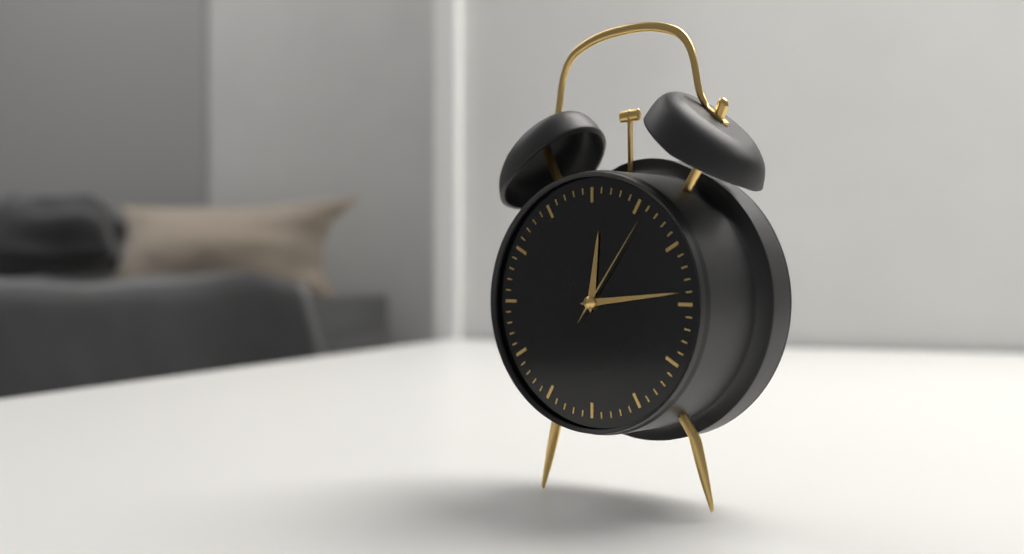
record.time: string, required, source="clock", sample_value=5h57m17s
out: 12h14m06s
